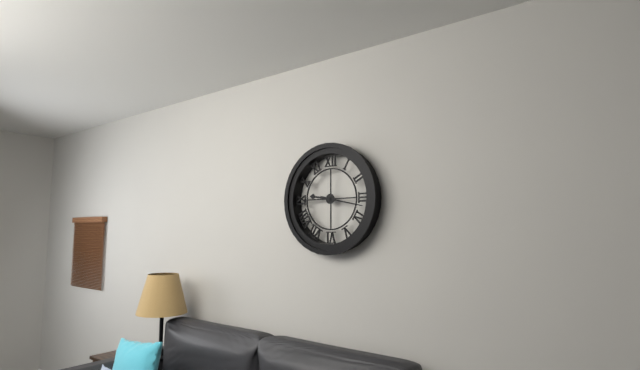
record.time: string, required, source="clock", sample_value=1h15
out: 9h17
